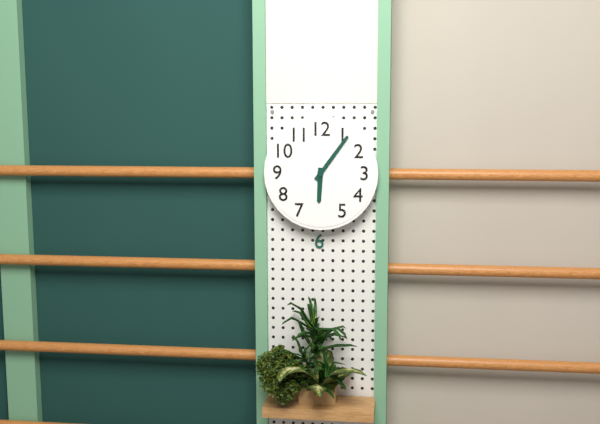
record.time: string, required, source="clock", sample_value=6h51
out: 6h06
